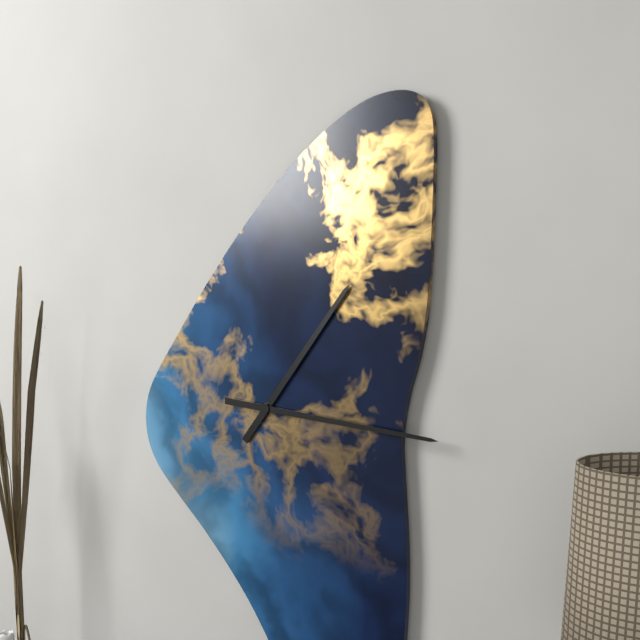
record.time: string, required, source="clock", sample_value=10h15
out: 1h16
